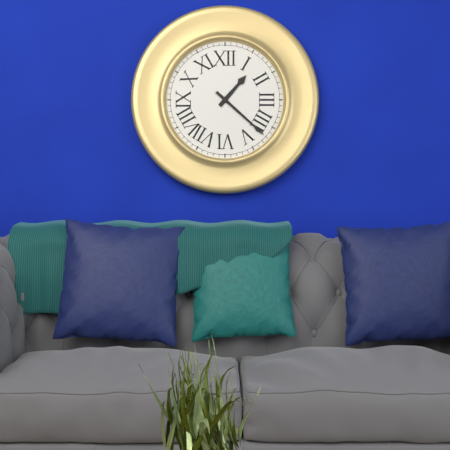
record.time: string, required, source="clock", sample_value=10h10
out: 1h22
